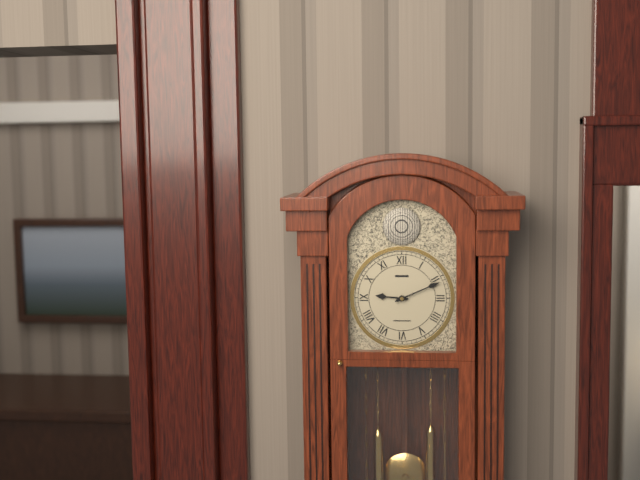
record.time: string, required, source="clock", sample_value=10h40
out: 9h11
